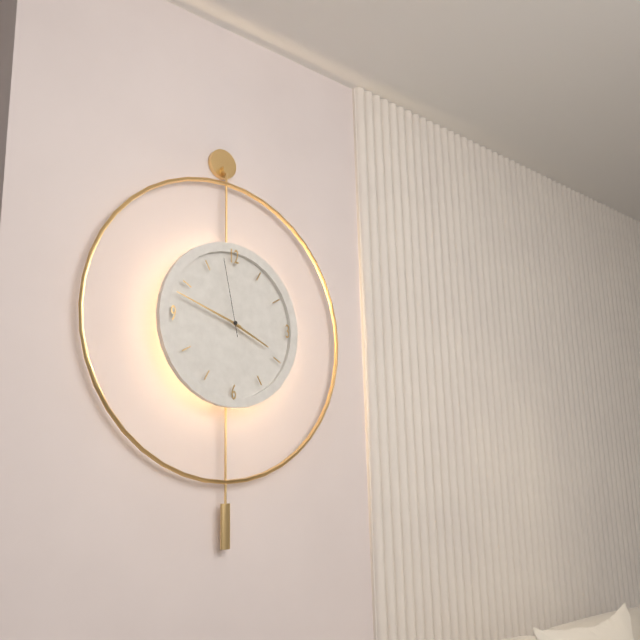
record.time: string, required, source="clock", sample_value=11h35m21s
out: 3h48m58s
